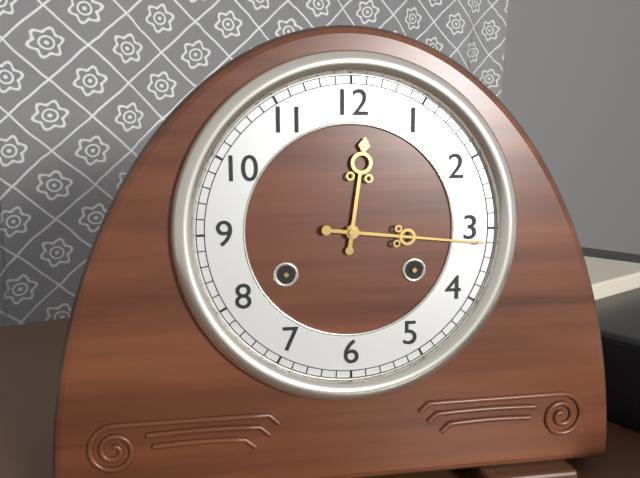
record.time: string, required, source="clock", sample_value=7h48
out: 12h16
